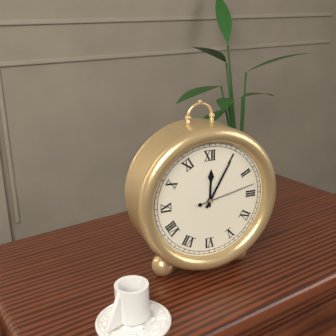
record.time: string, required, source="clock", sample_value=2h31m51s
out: 12h05m13s
